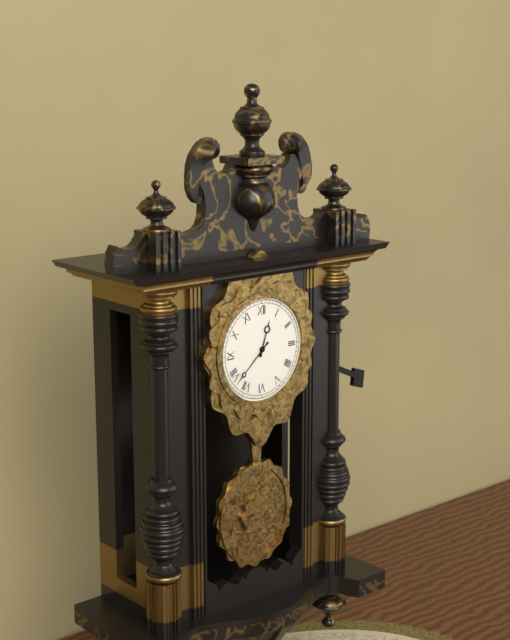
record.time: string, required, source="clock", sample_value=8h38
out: 12h38
